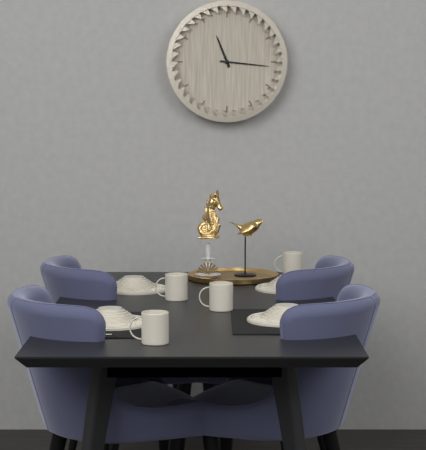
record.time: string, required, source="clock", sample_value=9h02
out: 11h16
